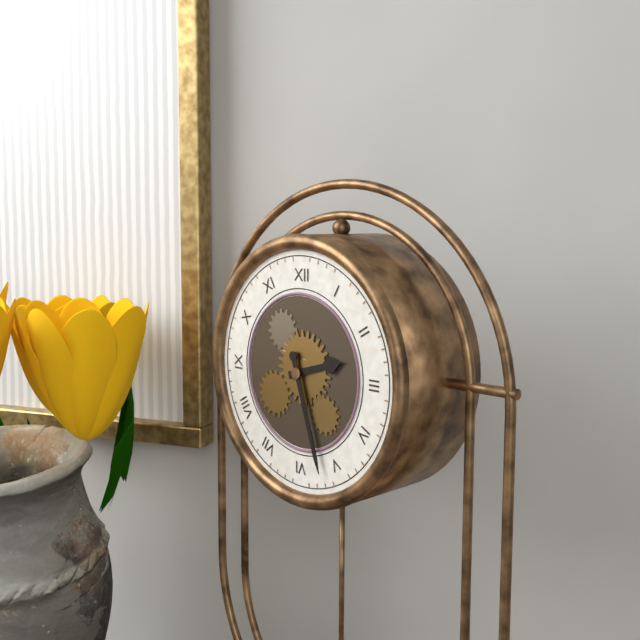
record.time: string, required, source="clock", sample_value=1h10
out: 2h27
